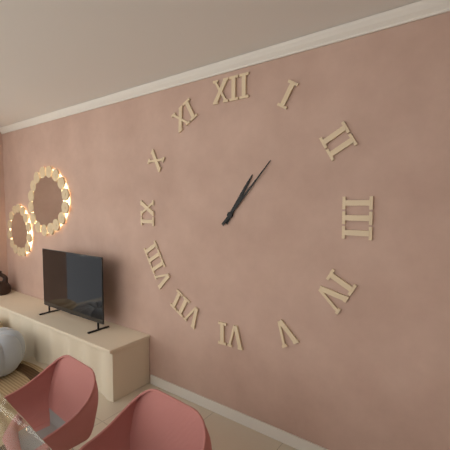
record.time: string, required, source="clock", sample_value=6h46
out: 1h07
